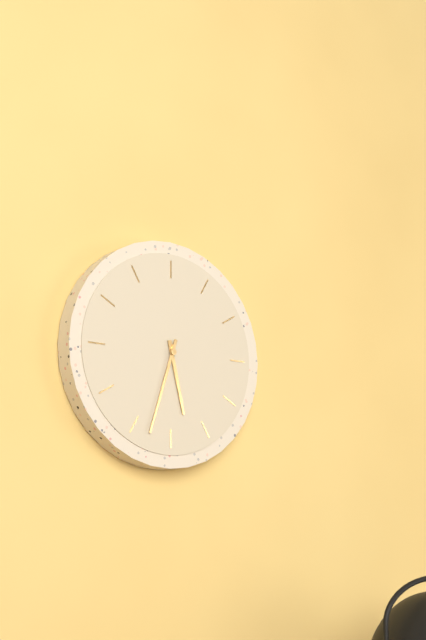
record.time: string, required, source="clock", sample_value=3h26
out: 5h33
